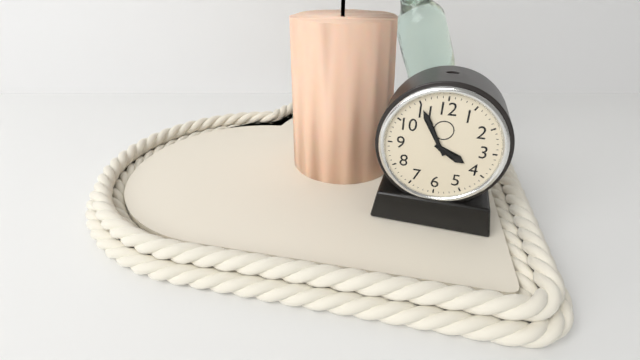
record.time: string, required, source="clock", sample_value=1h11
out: 3h55
